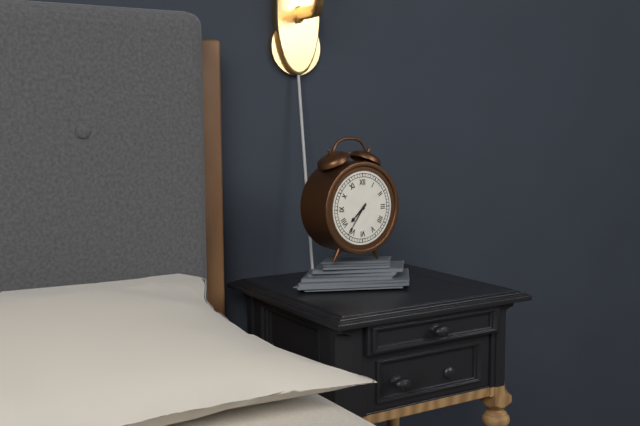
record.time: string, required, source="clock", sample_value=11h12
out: 7h36
